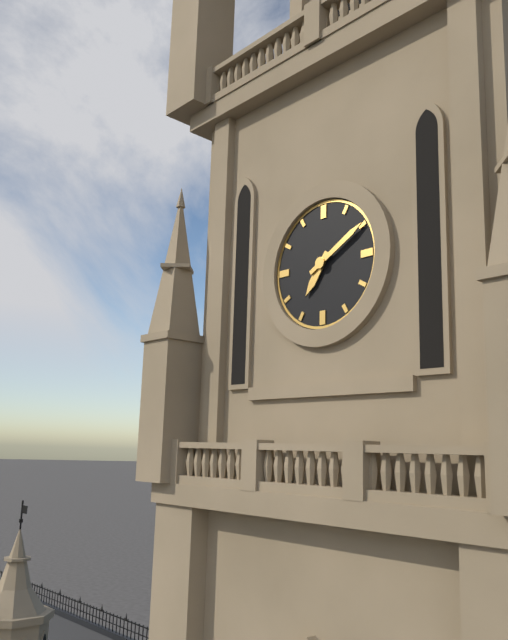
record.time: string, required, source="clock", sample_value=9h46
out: 7h10
